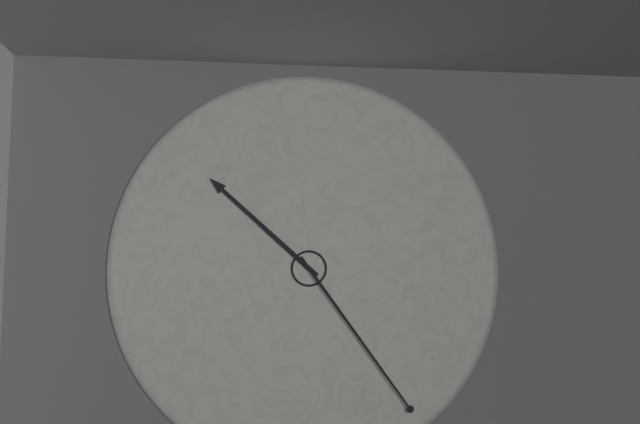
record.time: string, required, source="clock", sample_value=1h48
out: 10h24
